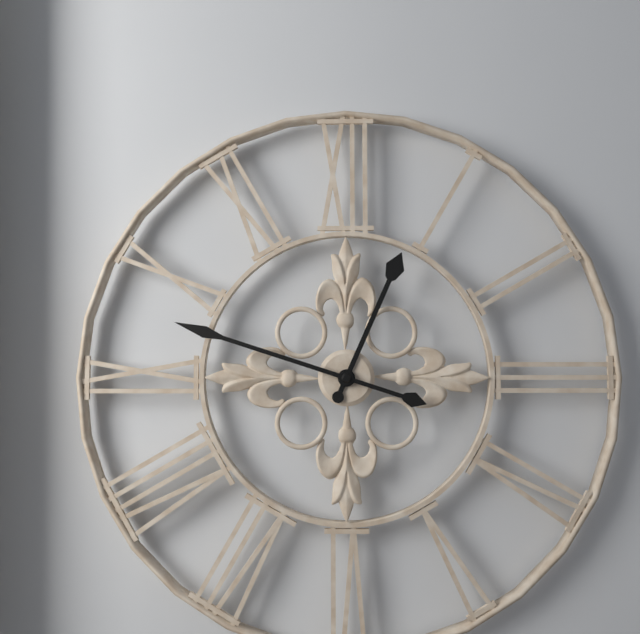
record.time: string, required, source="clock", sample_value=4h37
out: 12h48
